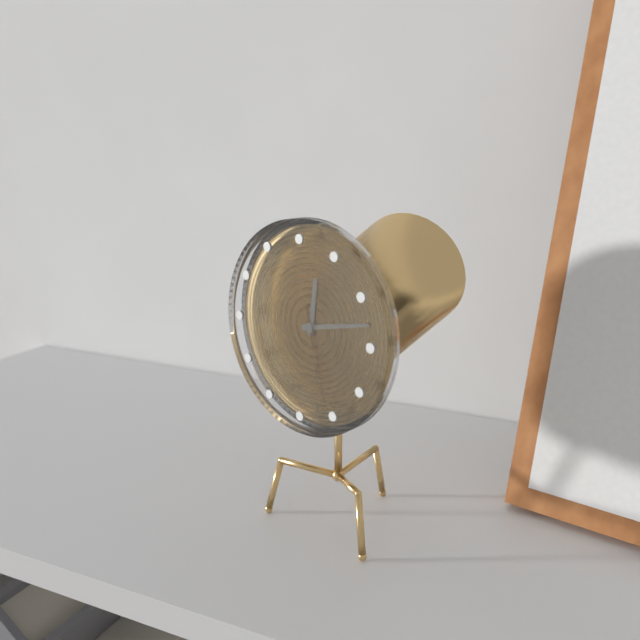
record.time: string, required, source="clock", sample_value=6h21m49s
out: 12h13m28s
